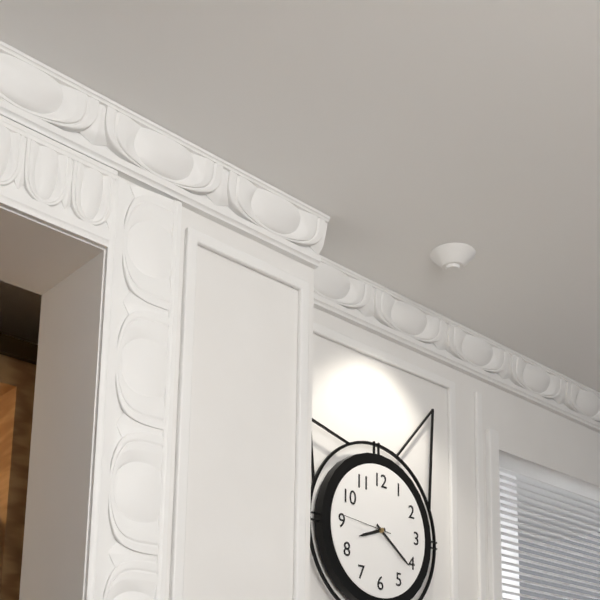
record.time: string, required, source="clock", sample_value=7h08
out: 8h21
